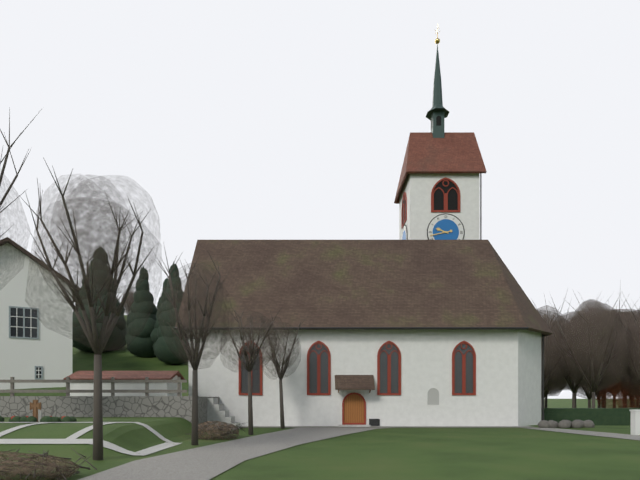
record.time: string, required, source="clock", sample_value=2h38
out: 9h43
